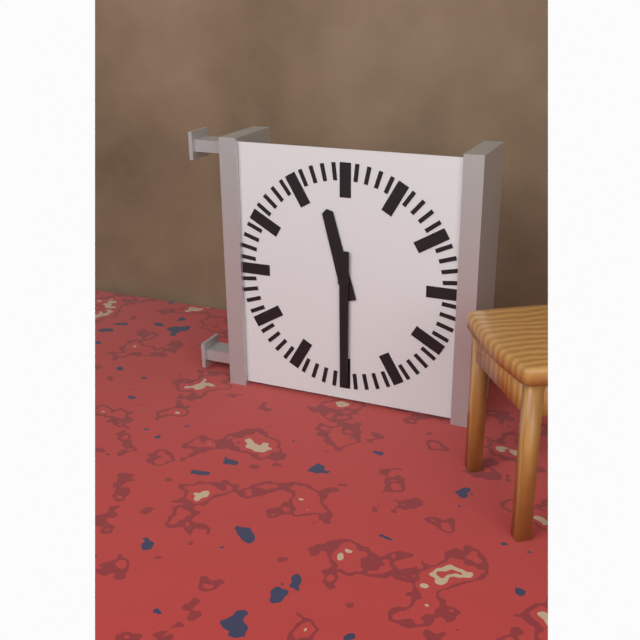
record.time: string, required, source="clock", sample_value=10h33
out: 11h30
